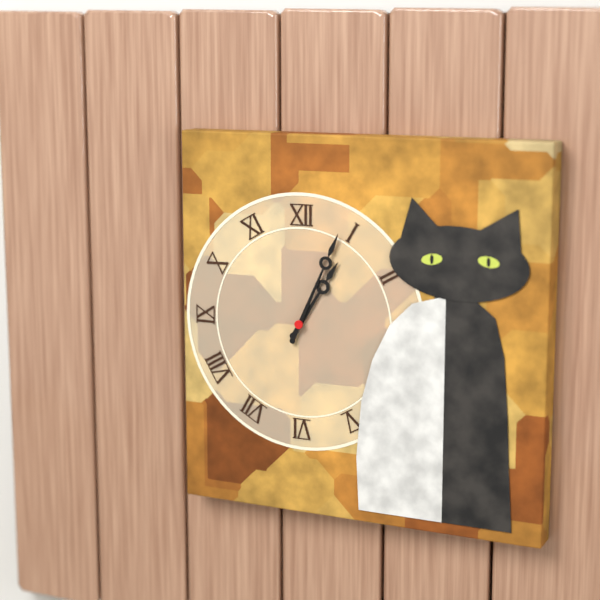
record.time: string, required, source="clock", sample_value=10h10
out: 1h04
